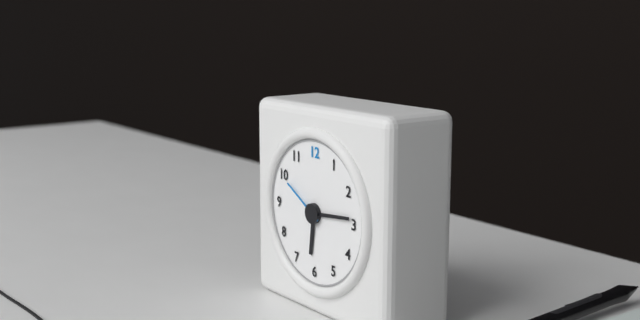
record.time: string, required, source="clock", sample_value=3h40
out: 6h14
